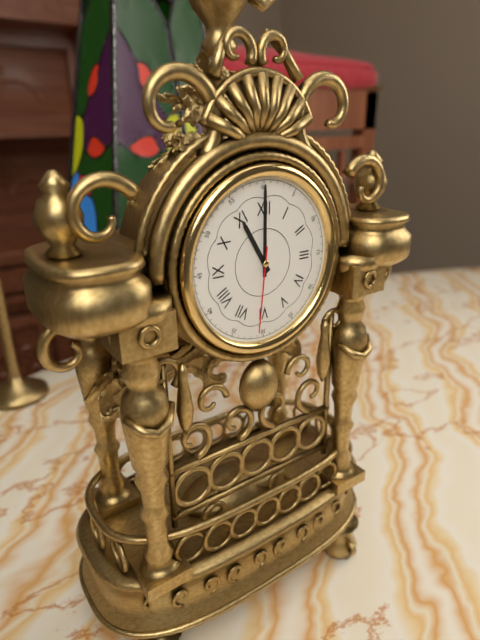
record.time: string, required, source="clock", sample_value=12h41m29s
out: 11h00m31s
